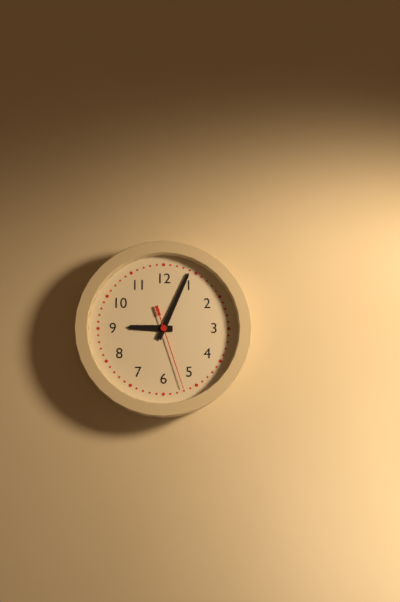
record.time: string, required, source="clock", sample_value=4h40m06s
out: 9h04m27s
